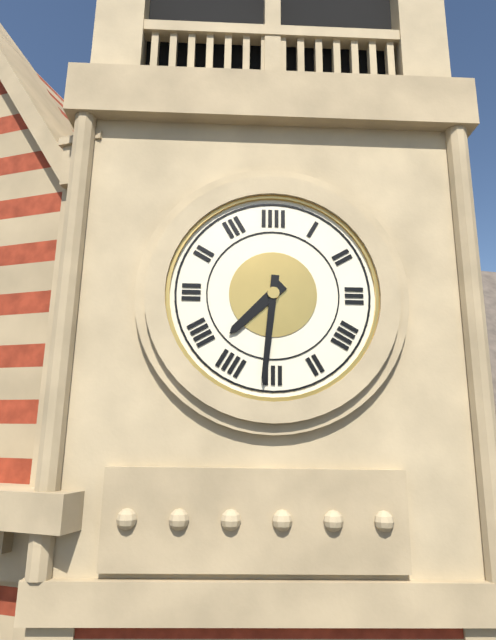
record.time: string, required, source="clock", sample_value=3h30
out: 7h31
